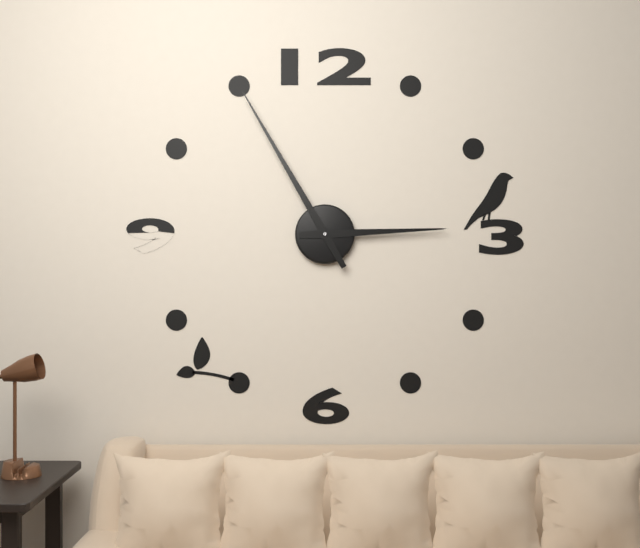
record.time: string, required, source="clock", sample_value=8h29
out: 2h55
